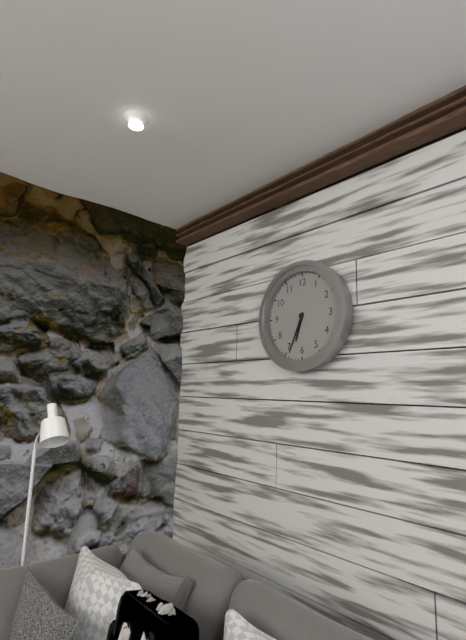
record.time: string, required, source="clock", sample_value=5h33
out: 6h34
